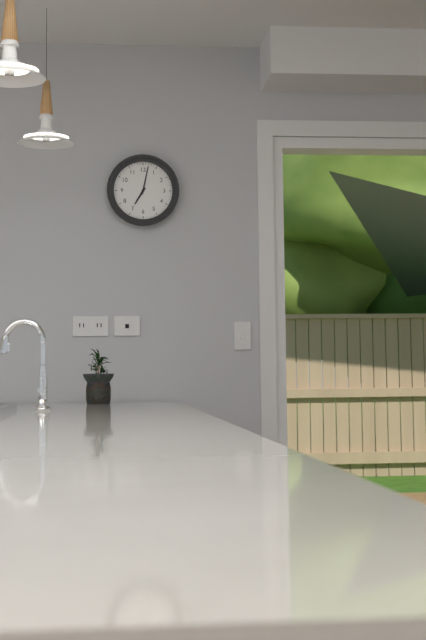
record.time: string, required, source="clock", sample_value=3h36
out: 7h02
